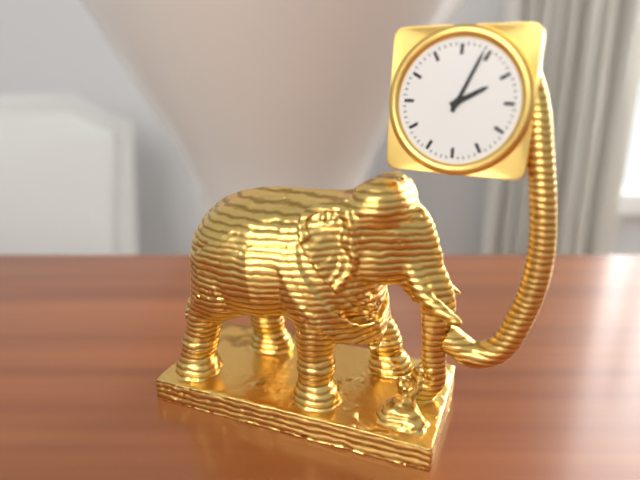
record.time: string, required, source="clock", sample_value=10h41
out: 2h04
